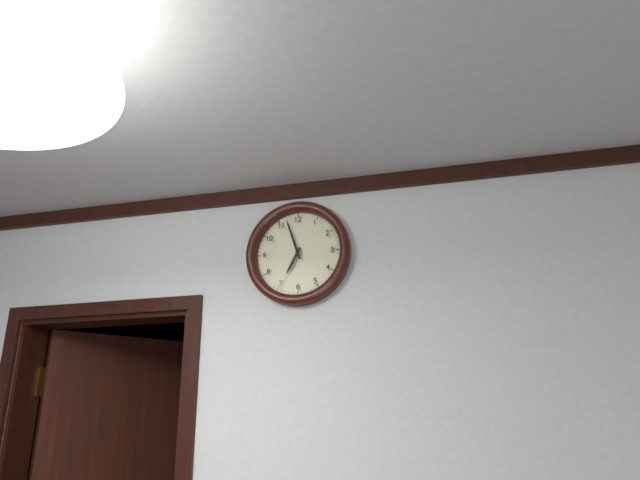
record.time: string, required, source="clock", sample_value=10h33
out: 6h57
